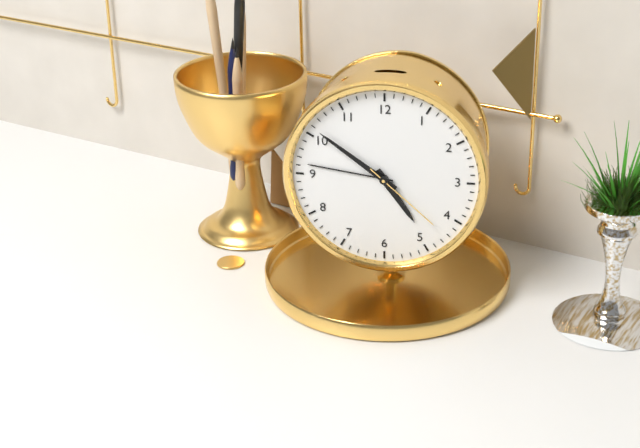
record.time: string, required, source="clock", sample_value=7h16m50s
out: 4h51m22s
